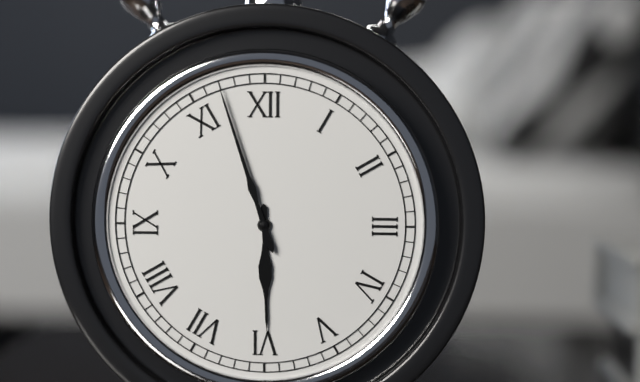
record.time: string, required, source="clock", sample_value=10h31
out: 5h57
